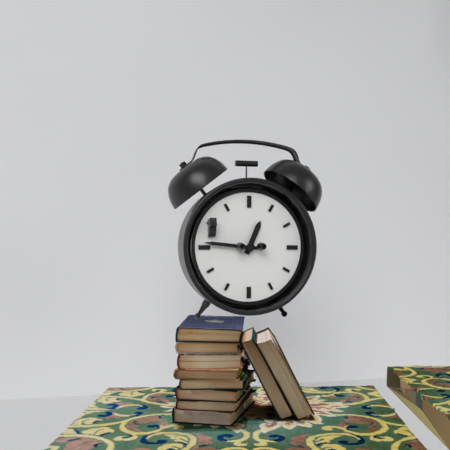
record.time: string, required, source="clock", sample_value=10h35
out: 12h46
